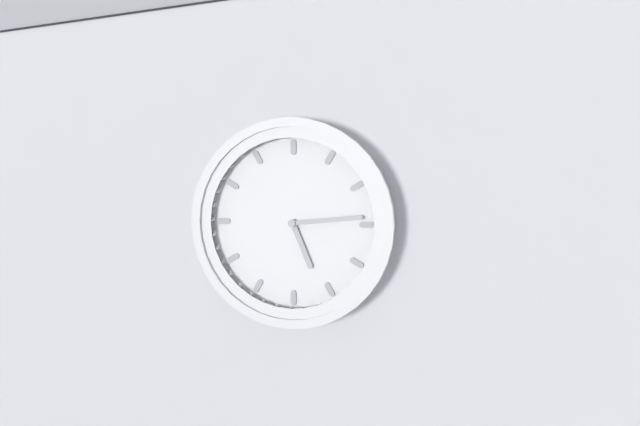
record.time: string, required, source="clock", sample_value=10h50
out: 5h14
